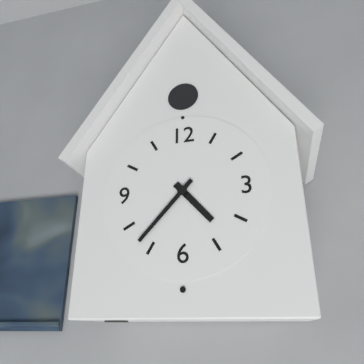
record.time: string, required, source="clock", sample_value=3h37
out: 4h37
